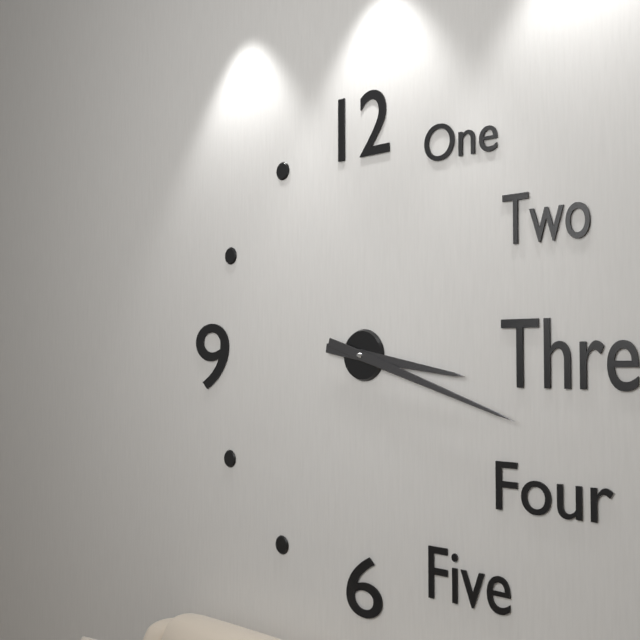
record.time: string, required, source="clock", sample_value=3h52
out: 3h18
